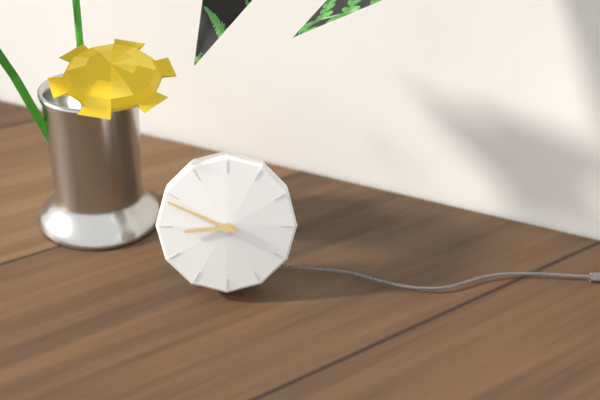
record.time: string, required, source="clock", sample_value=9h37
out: 8h49
